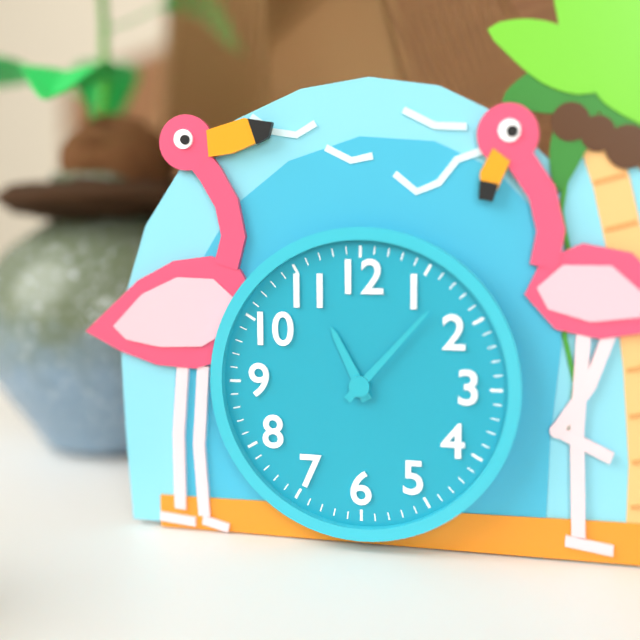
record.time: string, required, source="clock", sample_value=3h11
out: 11h07
